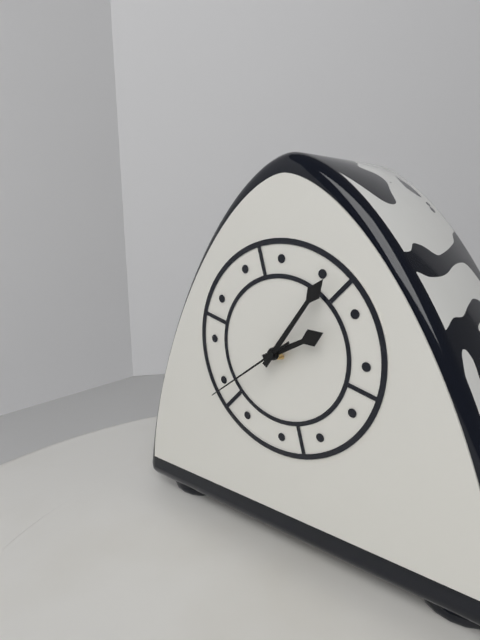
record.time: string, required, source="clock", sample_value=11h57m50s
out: 2h06m39s
